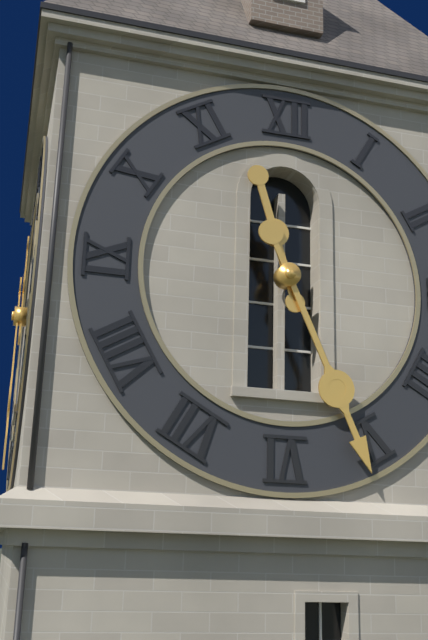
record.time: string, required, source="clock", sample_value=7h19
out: 11h26
